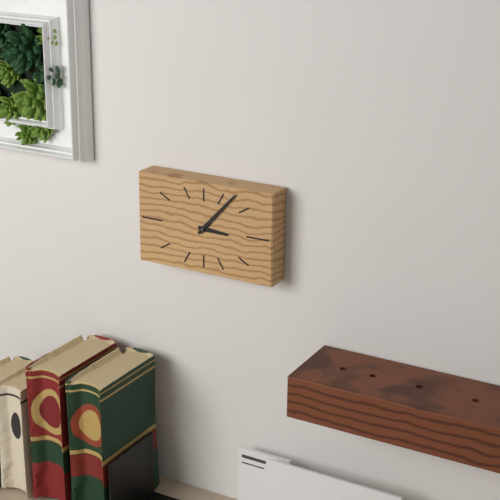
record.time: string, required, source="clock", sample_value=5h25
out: 3h07
